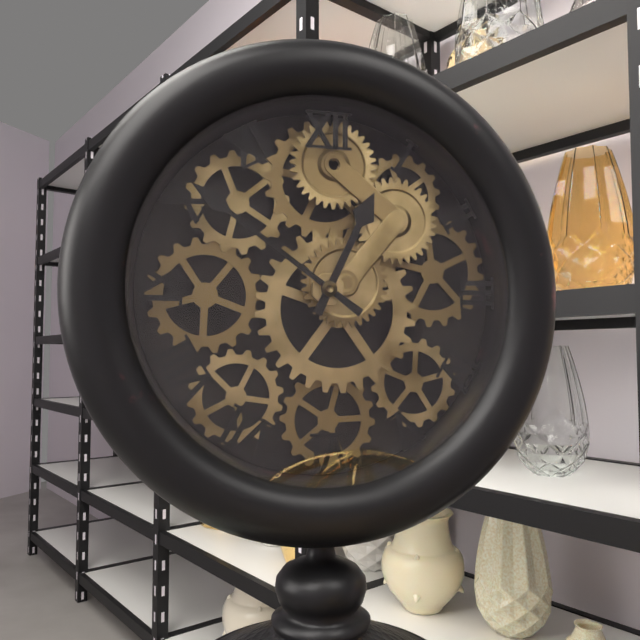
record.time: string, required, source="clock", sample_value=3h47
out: 12h51
